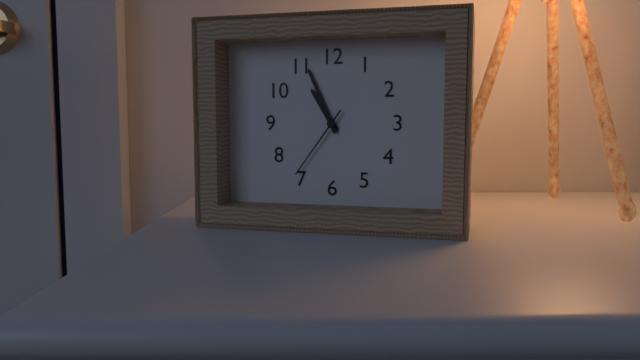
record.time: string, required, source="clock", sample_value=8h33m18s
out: 10h56m36s
